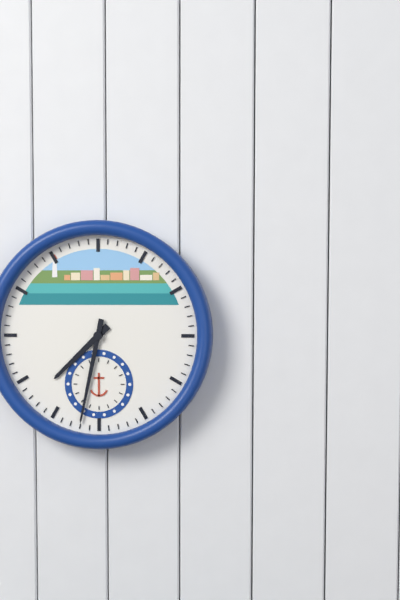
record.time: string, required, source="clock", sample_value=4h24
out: 7h32
